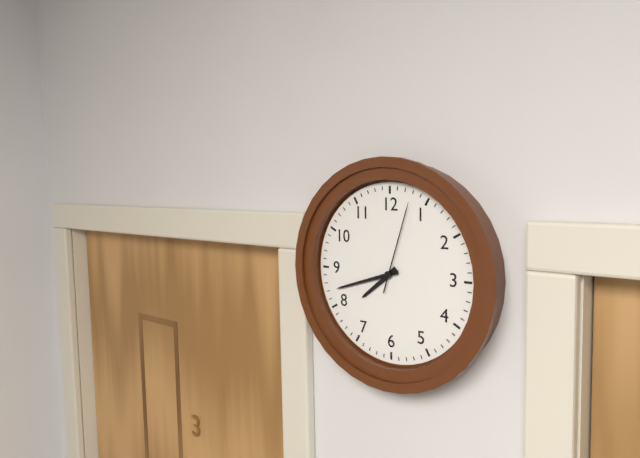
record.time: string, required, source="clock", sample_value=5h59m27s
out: 7h42m03s
